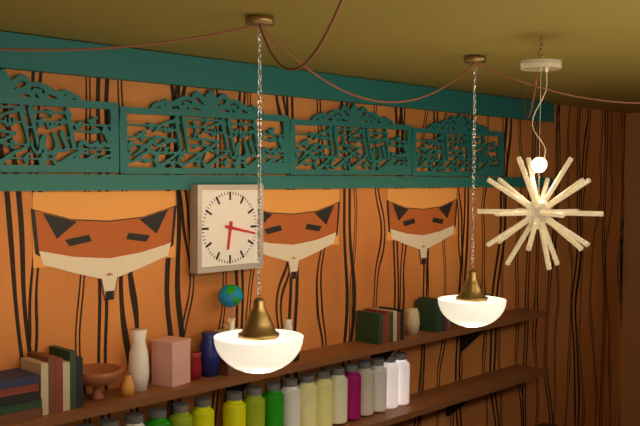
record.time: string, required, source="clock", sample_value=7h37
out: 6h17
